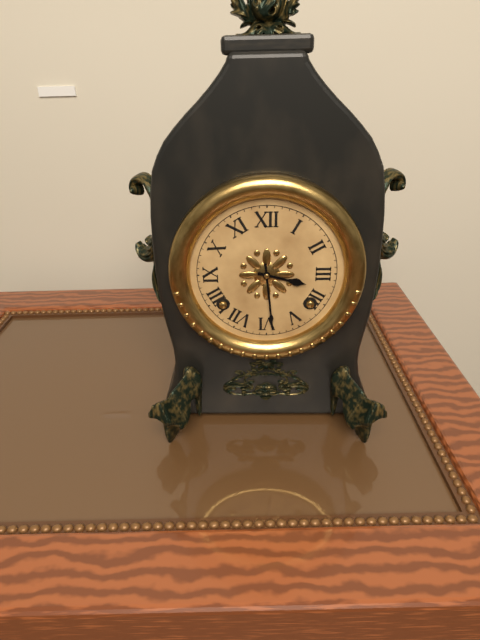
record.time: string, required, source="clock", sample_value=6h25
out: 3h29
